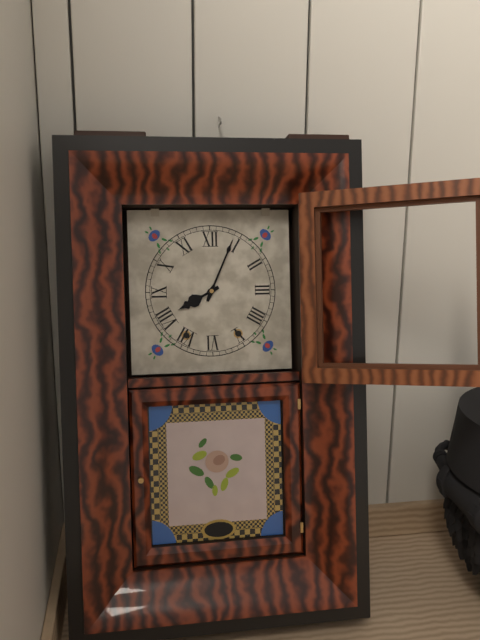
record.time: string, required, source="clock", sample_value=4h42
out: 8h04
